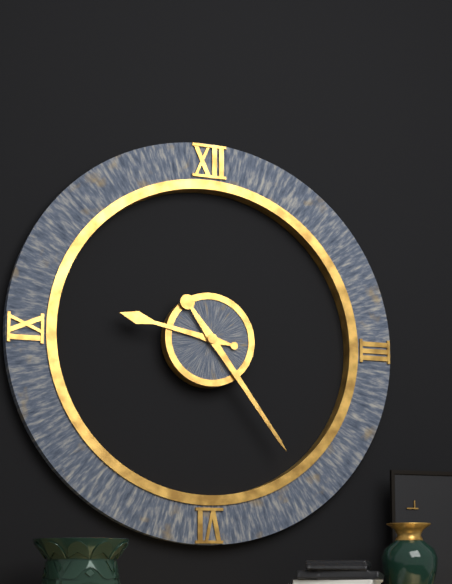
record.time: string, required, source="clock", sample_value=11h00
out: 9h24
